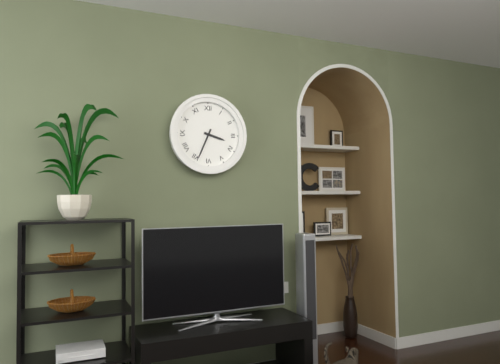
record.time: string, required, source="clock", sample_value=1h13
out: 3h34
